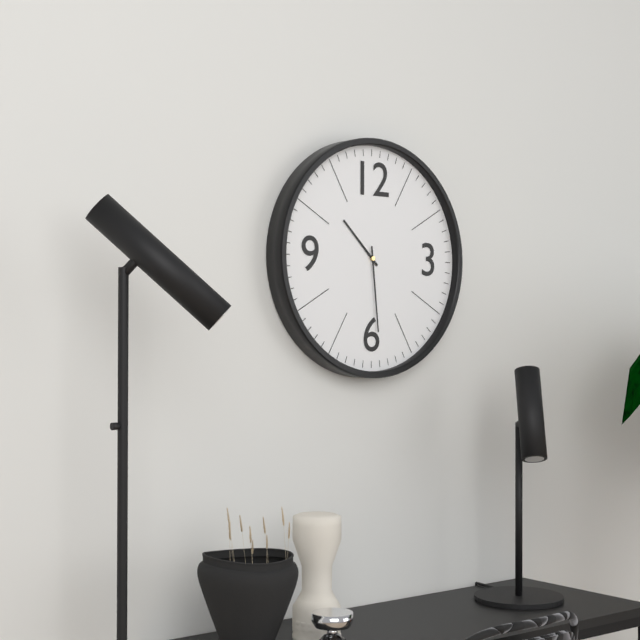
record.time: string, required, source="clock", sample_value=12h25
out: 10h29
